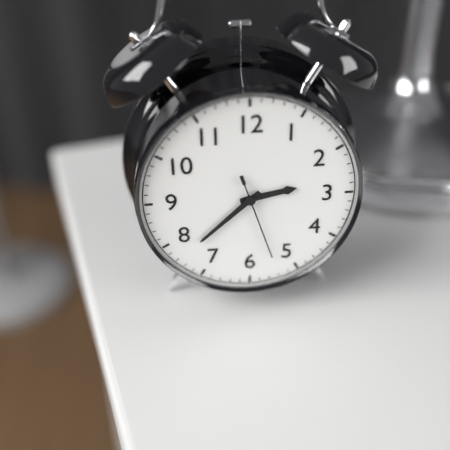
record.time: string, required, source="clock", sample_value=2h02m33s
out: 2h38m27s
